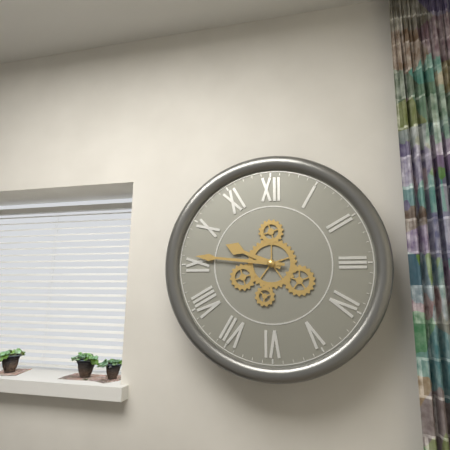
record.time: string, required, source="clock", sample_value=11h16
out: 9h46
